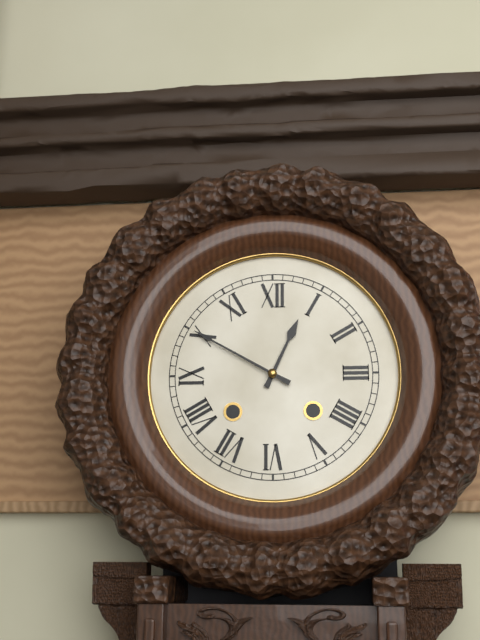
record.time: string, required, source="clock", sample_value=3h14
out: 12h50
